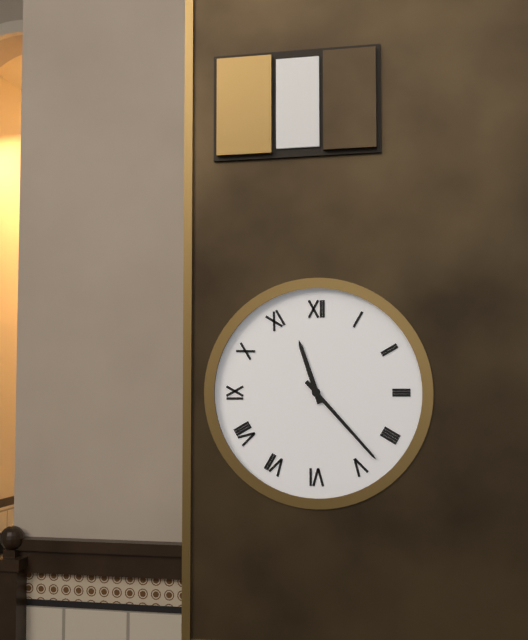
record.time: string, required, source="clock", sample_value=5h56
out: 11h23
